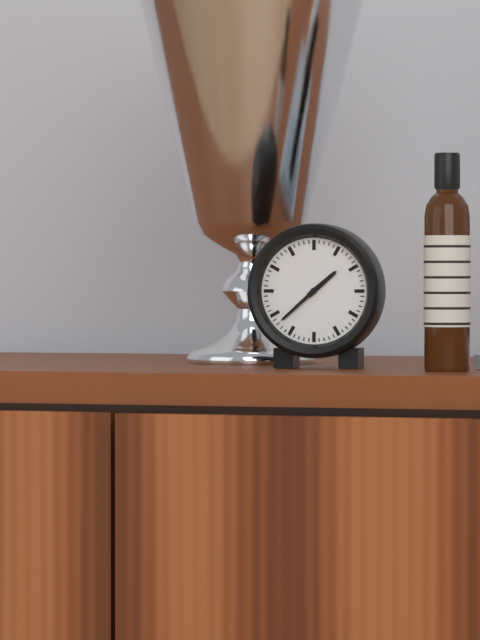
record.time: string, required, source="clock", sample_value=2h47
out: 1h38
